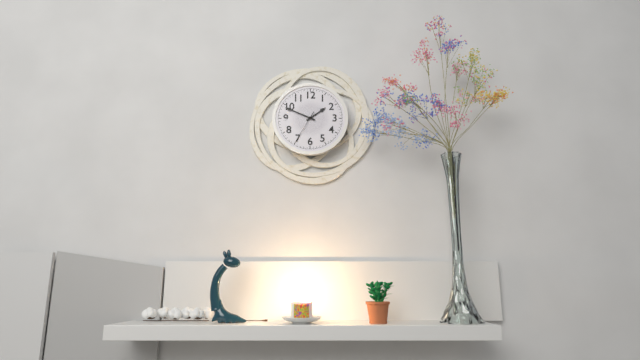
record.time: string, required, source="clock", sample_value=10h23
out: 1h49
